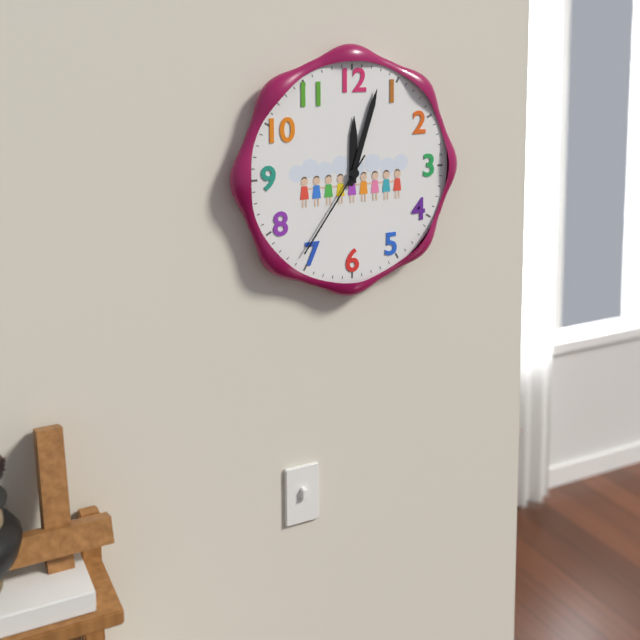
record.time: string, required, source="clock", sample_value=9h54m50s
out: 12h03m36s
